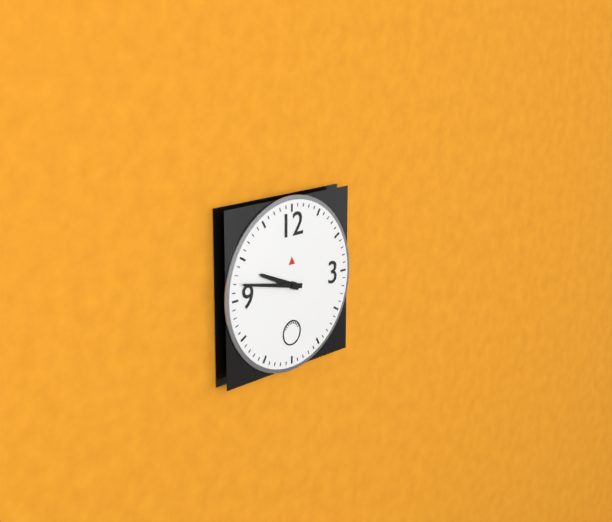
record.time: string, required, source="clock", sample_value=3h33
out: 9h47
